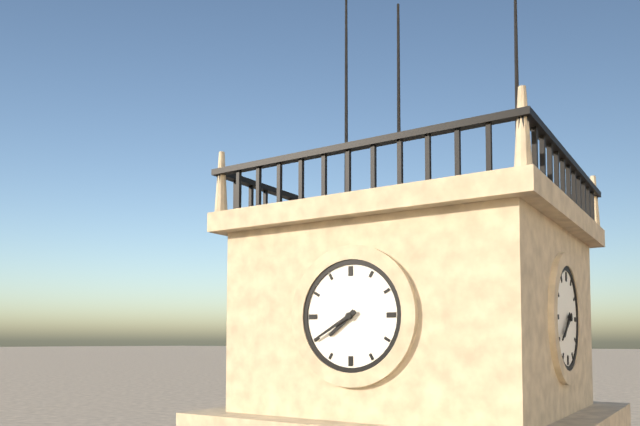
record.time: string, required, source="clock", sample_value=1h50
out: 7h40
